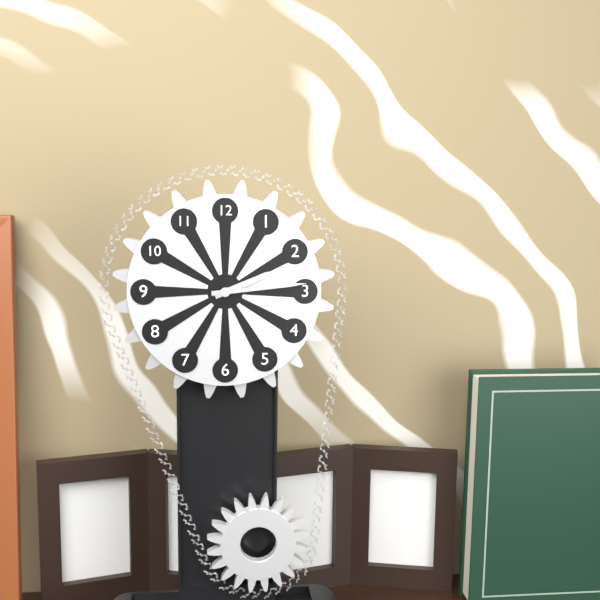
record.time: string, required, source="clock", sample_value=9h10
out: 2h14
